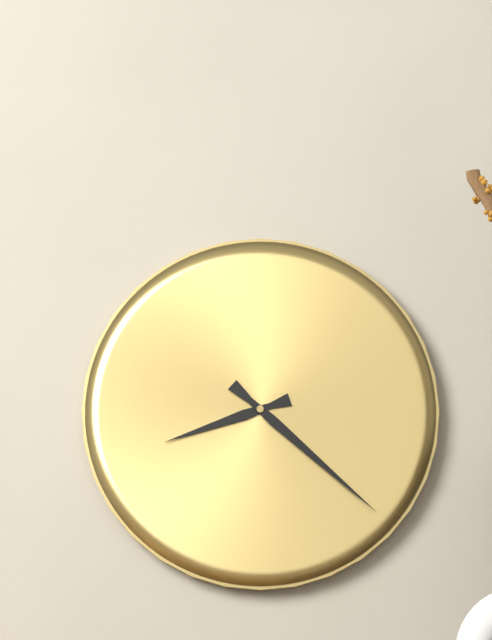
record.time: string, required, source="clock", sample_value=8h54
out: 8h22
